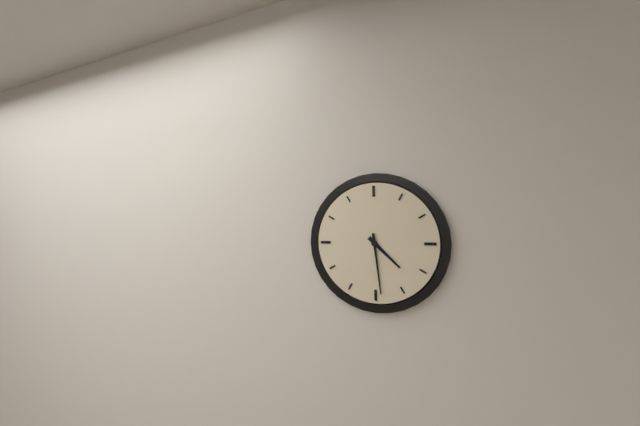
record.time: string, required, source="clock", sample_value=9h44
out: 4h29
